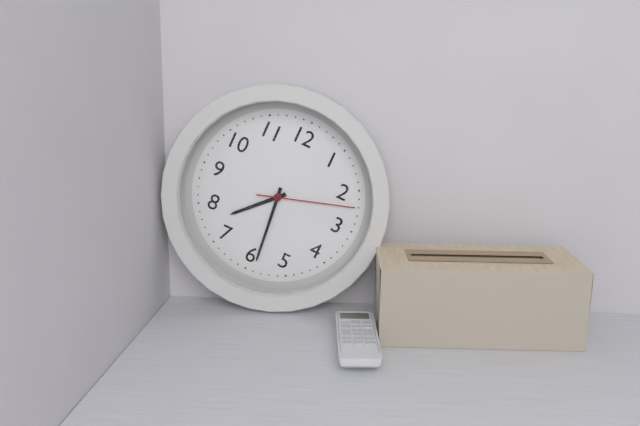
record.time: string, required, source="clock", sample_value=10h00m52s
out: 7h29m12s
